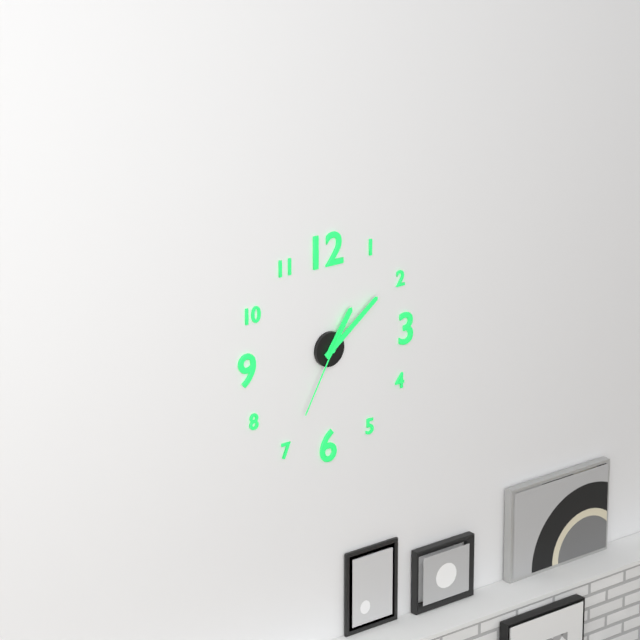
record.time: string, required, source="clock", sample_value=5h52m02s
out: 1h09m35s
